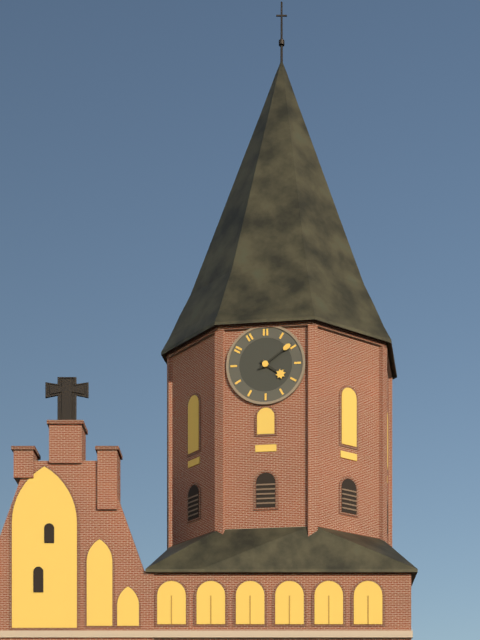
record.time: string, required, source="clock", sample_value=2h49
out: 4h09
